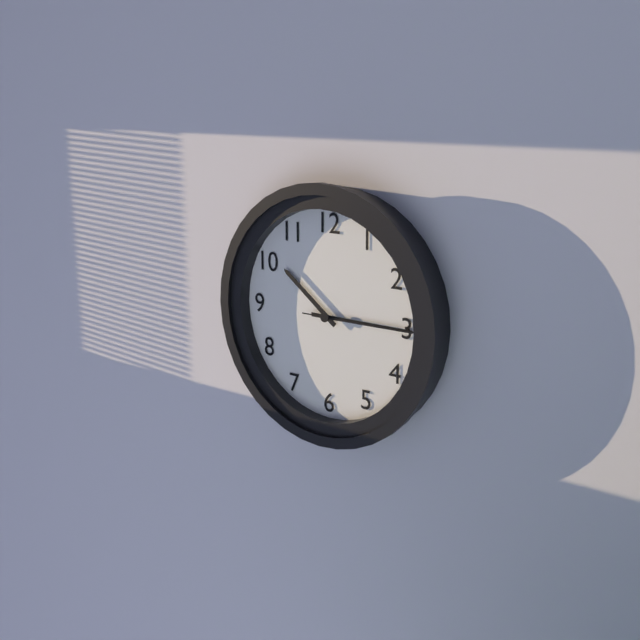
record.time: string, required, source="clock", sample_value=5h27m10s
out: 10h15m15s
